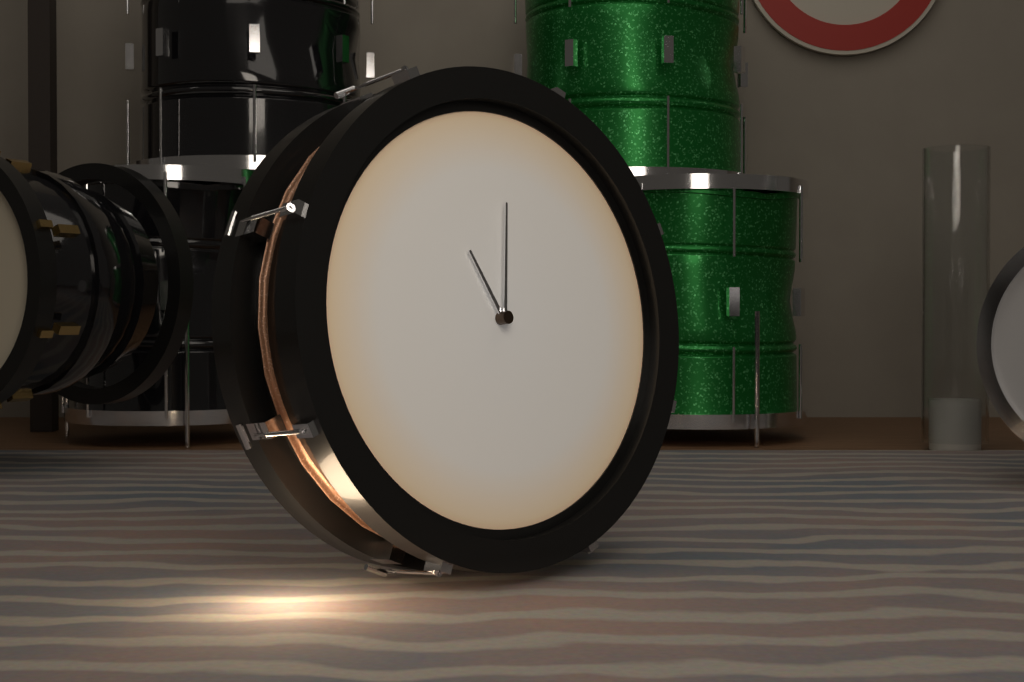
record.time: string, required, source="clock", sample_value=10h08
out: 11h01
